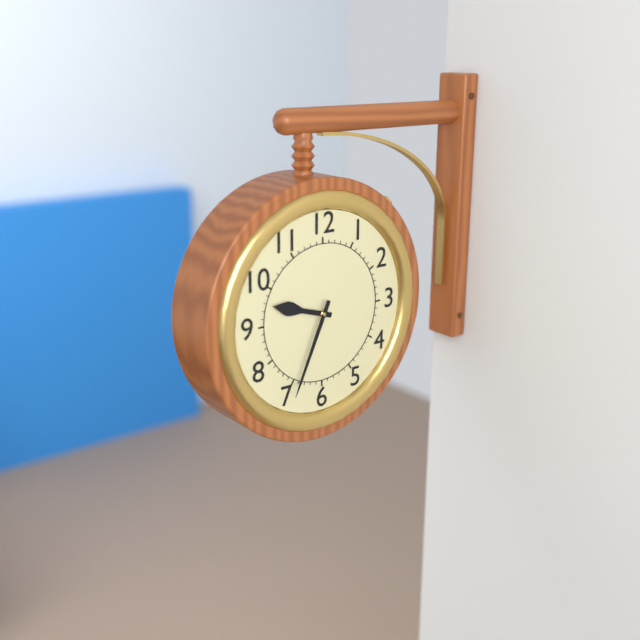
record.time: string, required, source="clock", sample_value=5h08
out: 9h34
